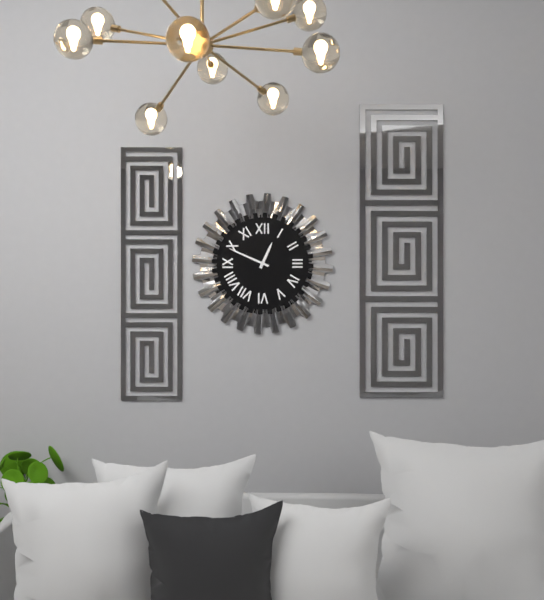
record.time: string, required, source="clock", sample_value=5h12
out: 12h49
